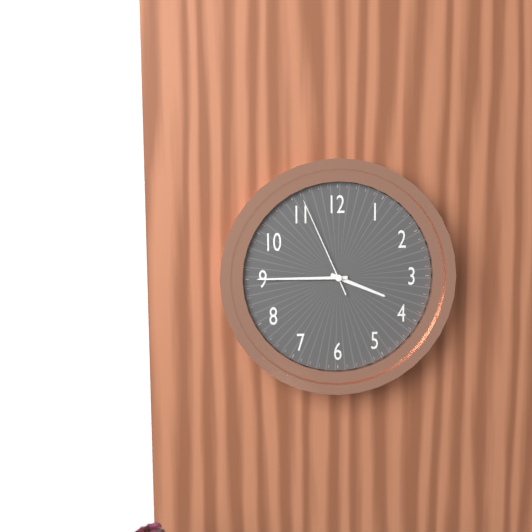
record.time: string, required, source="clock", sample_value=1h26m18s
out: 3h45m56s
